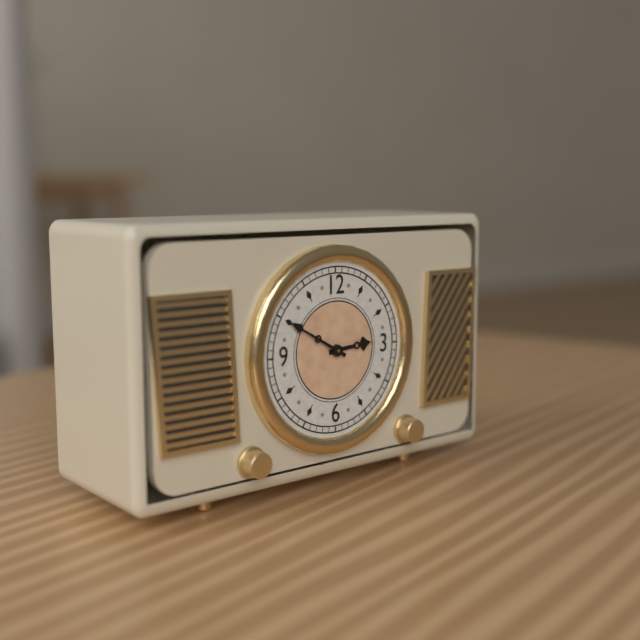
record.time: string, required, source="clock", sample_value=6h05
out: 2h50
